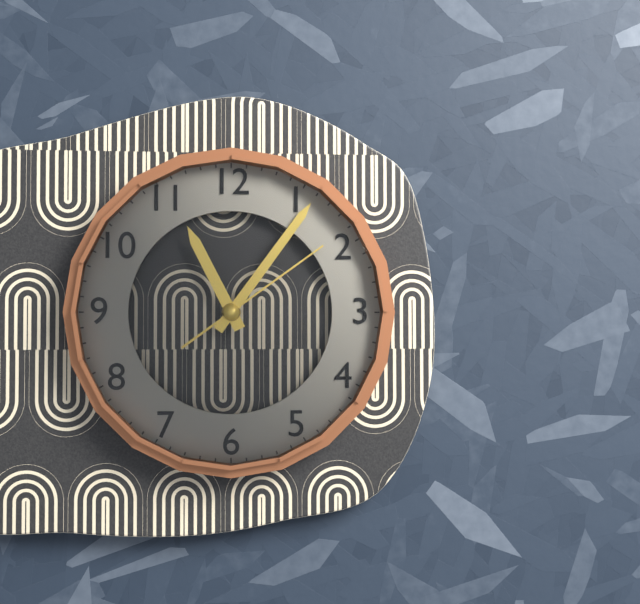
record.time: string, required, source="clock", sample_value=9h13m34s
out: 11h06m09s
